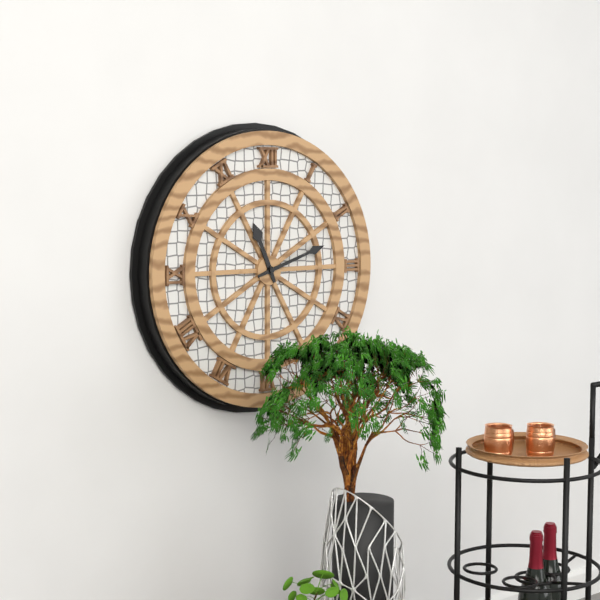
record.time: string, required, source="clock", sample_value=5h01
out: 11h12
